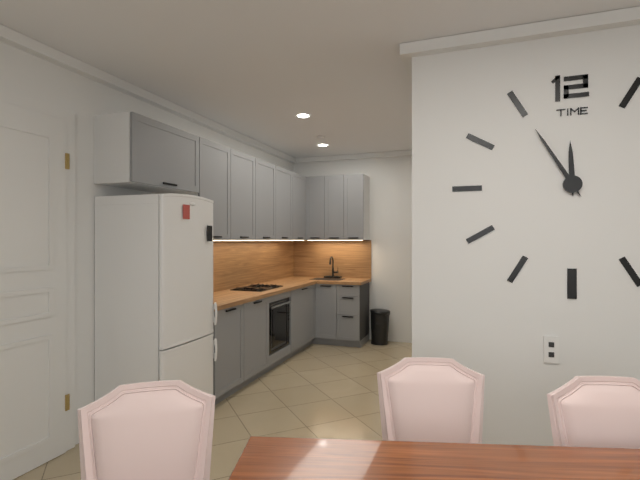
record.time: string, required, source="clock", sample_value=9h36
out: 11h55
